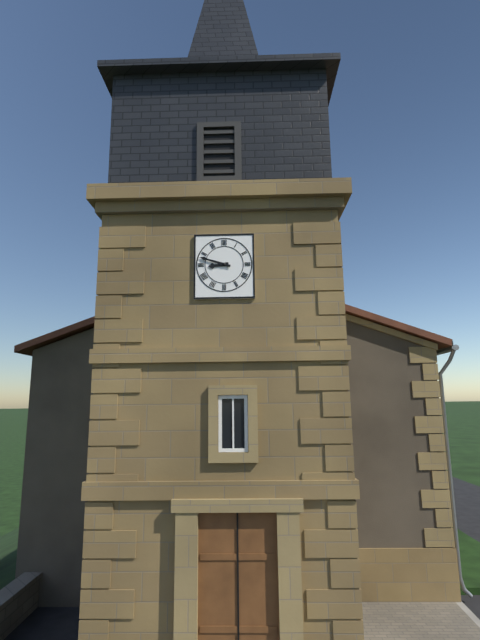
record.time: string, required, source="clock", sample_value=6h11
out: 8h48
